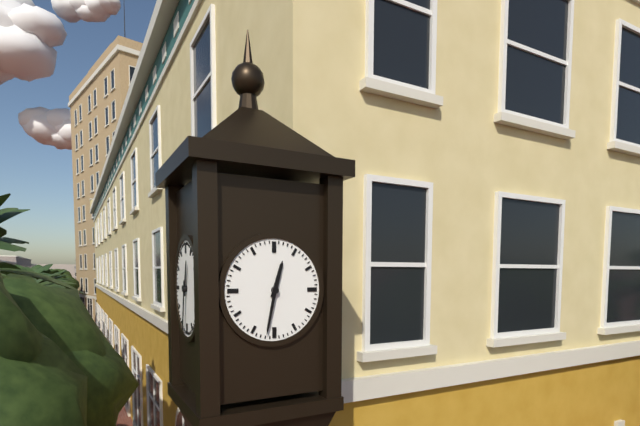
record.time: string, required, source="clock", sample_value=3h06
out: 12h32
